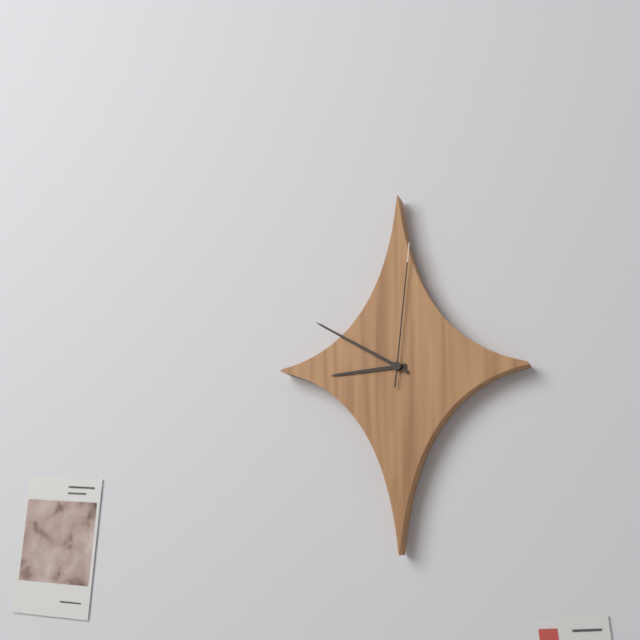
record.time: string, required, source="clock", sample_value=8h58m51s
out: 8h50m01s
